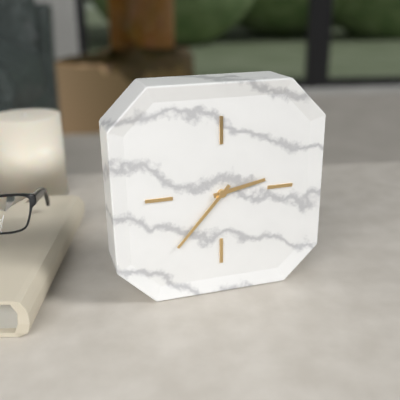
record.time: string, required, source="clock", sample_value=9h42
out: 2h37
